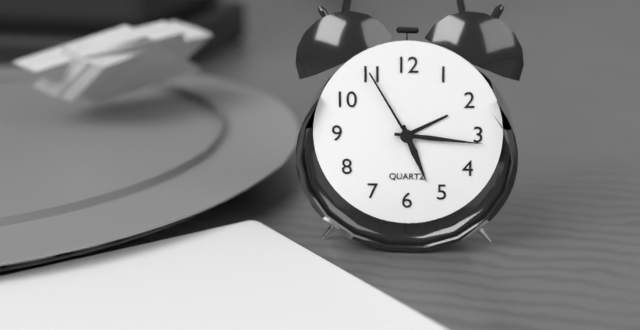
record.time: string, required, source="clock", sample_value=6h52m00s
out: 5h16m55s
